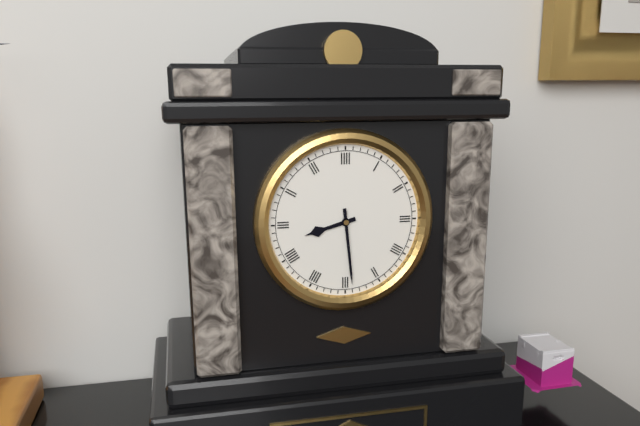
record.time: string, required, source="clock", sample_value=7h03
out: 8h29
